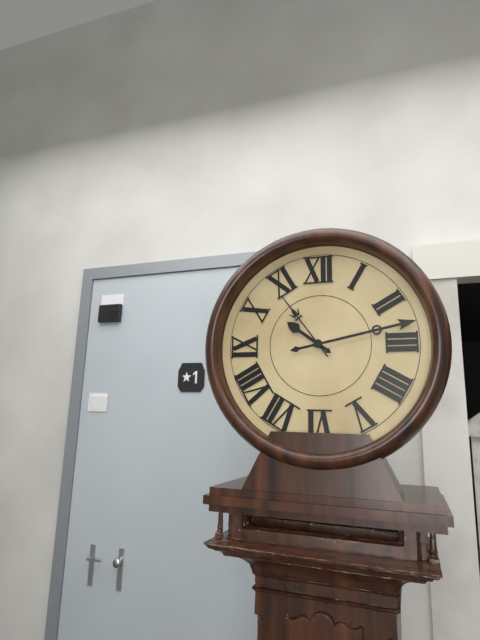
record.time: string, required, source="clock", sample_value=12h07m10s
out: 10h13m54s
